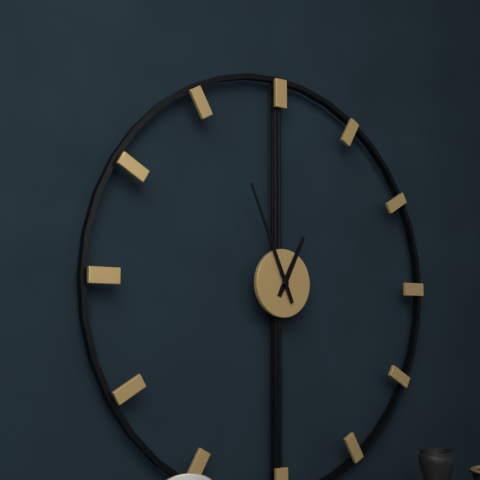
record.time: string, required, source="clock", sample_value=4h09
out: 12h56
